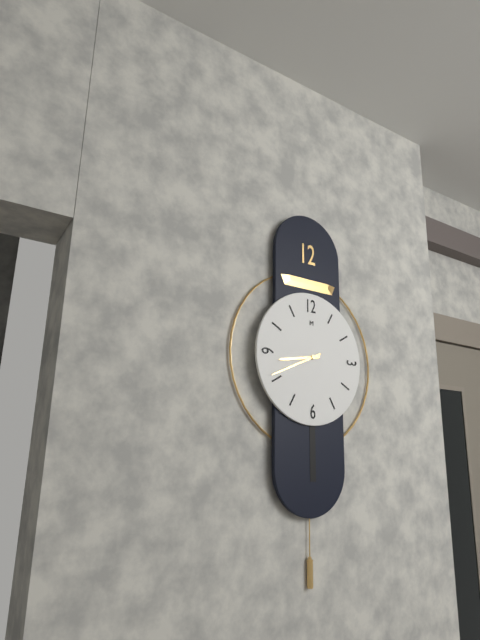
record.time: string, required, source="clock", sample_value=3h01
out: 8h41
